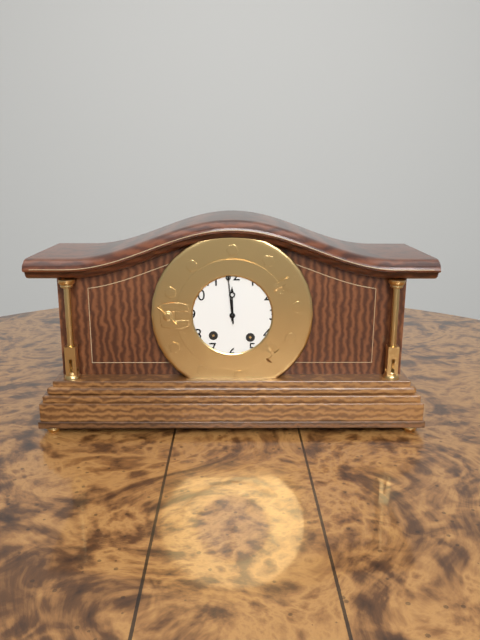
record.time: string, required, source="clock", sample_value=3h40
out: 11h59
